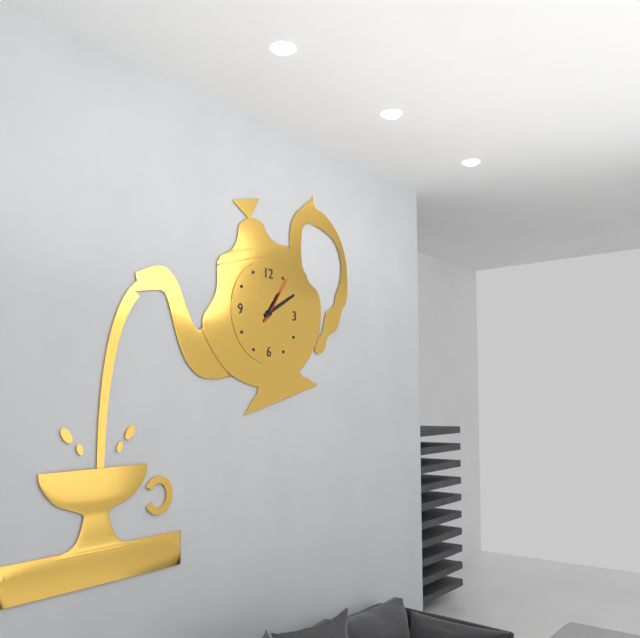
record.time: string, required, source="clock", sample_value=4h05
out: 1h10
